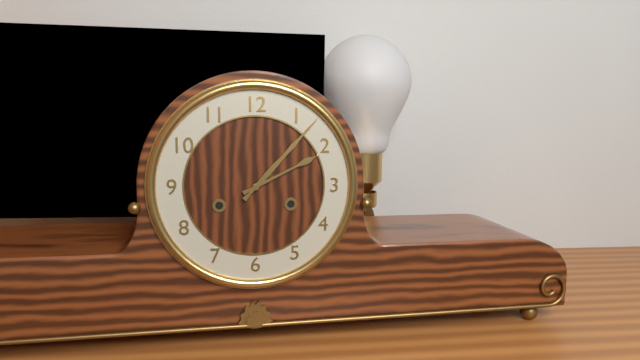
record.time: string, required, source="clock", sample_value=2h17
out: 2h07
